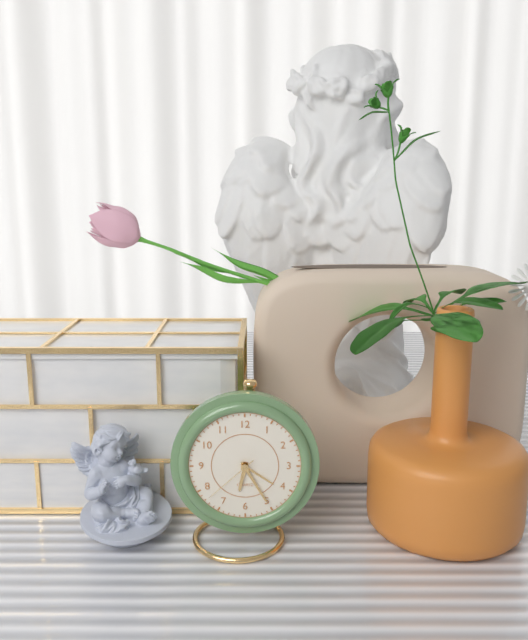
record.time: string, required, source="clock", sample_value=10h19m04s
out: 6h25m38s
